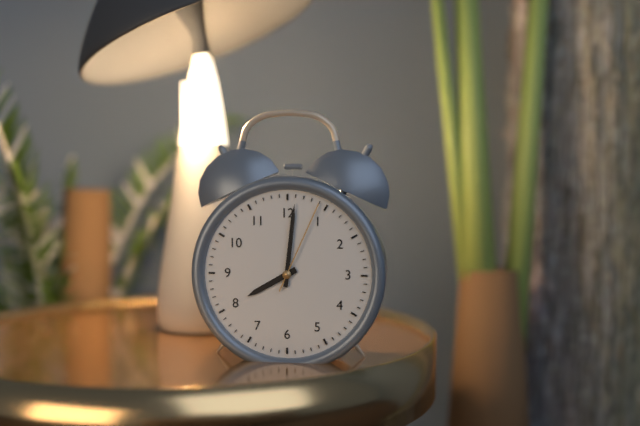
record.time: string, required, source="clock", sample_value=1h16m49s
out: 8h01m04s
